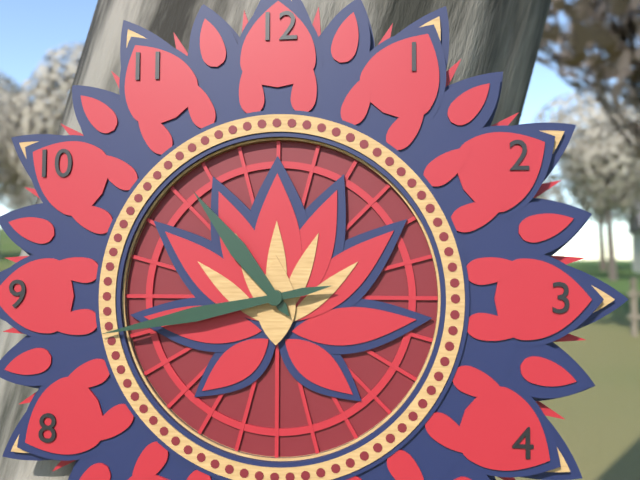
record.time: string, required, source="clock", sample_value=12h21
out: 10h43
